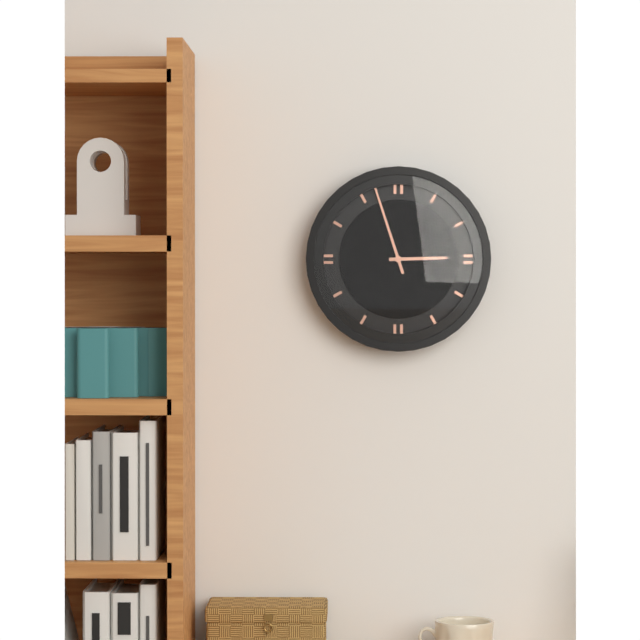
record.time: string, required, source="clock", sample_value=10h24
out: 2h57
